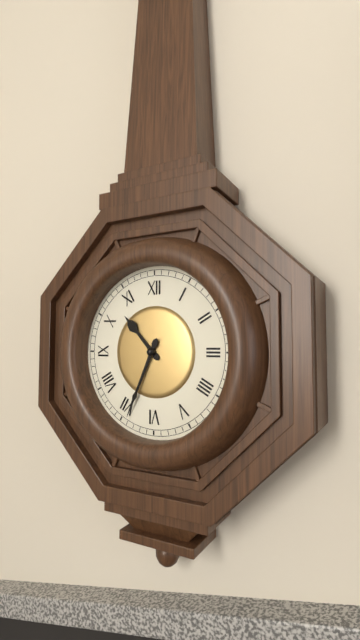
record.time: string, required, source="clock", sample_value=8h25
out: 10h34
